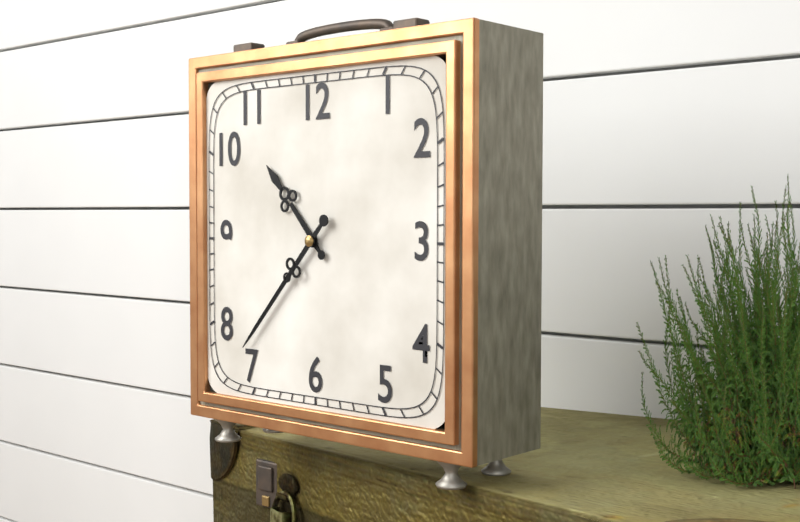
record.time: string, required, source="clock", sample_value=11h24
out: 10h37
